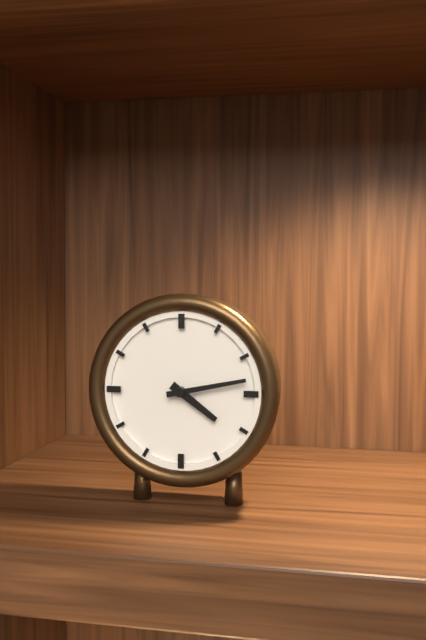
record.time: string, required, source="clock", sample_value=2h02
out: 4h13
